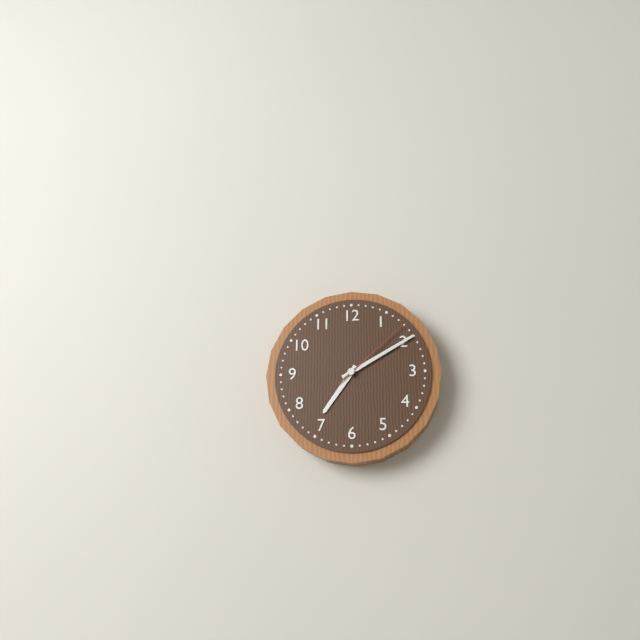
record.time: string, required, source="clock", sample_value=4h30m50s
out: 7h10m08s
